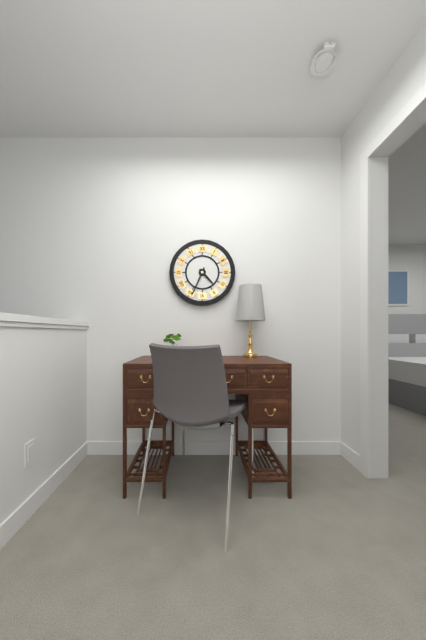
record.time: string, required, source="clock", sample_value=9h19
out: 4h34
